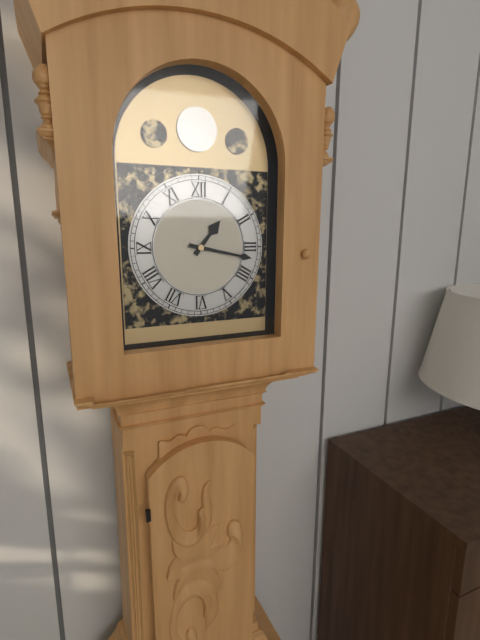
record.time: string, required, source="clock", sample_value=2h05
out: 1h17
